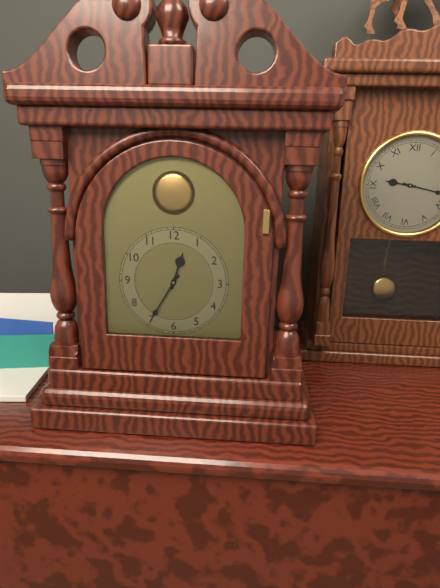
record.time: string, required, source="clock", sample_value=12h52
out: 12h35
